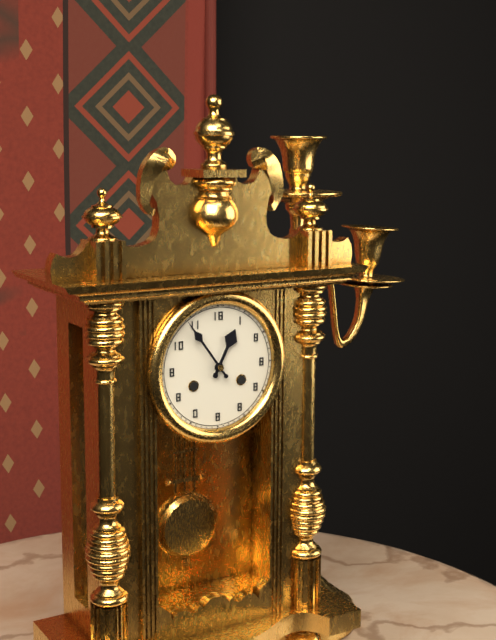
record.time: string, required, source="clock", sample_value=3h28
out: 12h54
